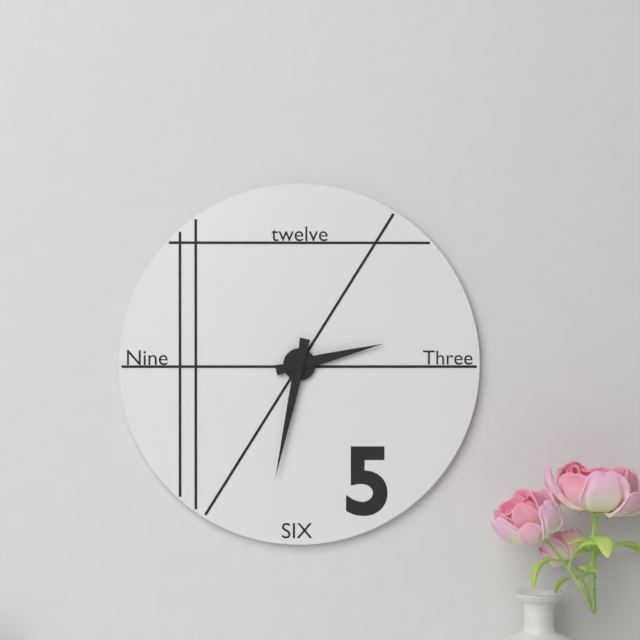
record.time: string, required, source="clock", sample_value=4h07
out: 2h32
